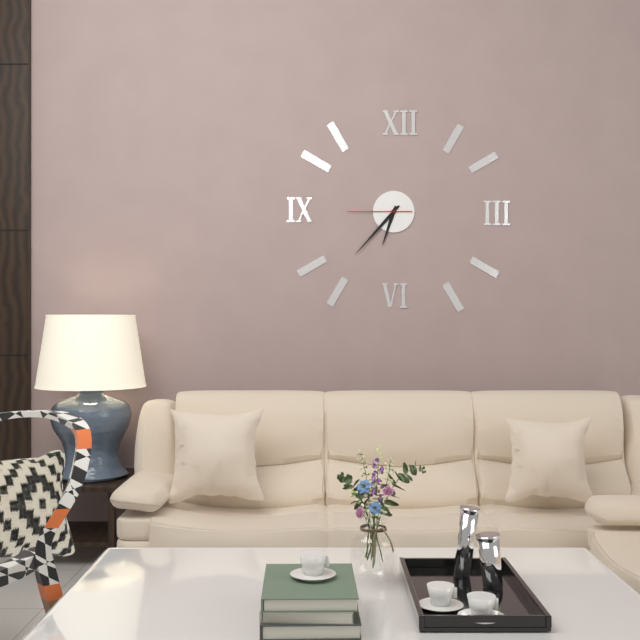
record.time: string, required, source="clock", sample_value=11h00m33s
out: 6h37m45s
